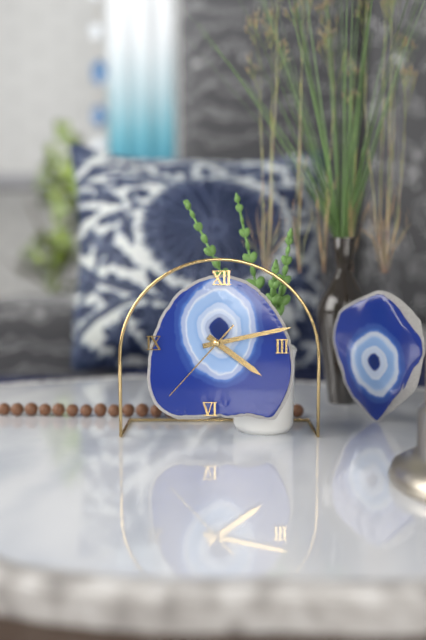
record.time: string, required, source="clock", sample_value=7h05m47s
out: 4h13m37s
